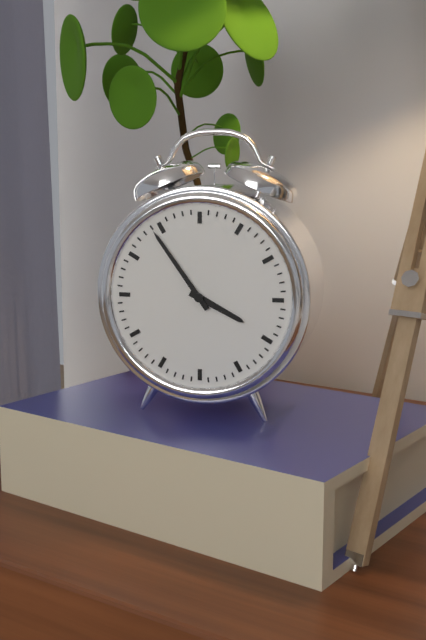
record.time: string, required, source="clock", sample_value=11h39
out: 3h54
